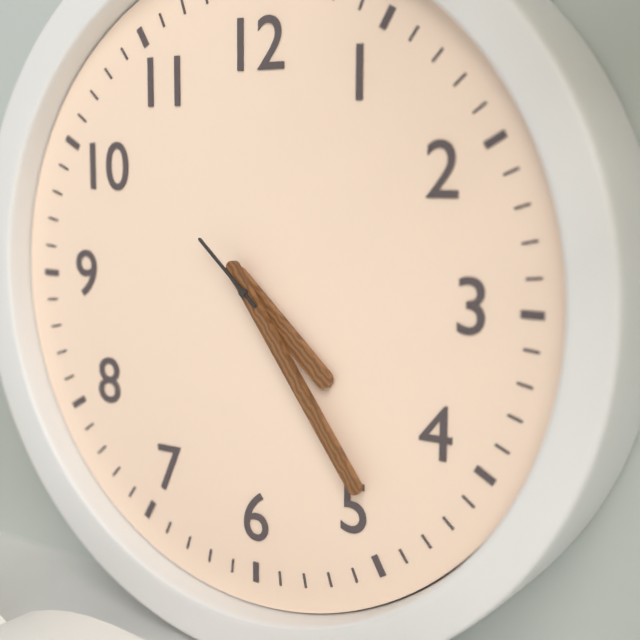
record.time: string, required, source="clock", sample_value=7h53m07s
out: 4h24m52s
